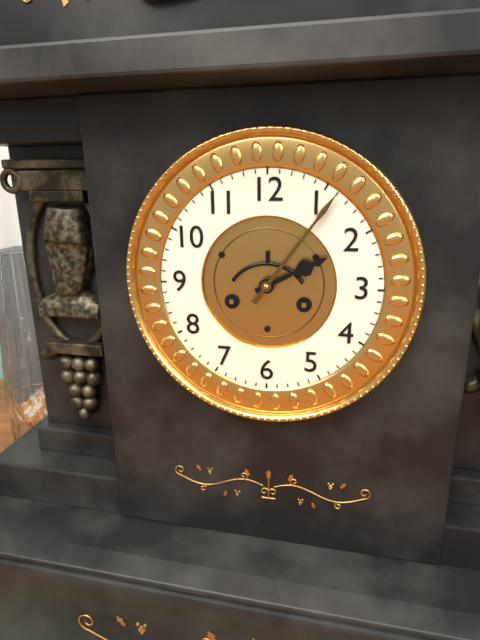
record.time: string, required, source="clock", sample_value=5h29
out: 2h06
